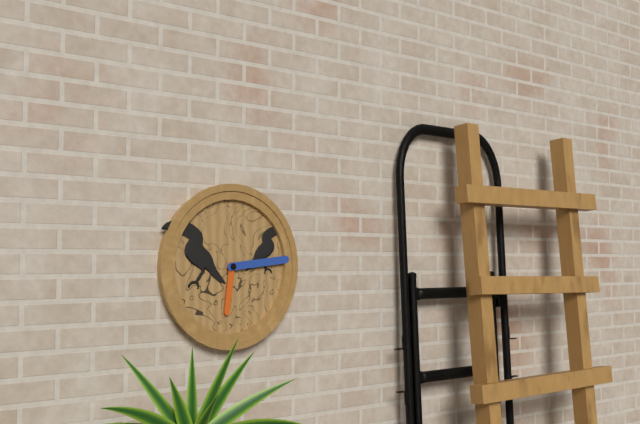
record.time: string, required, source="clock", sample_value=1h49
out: 6h14
